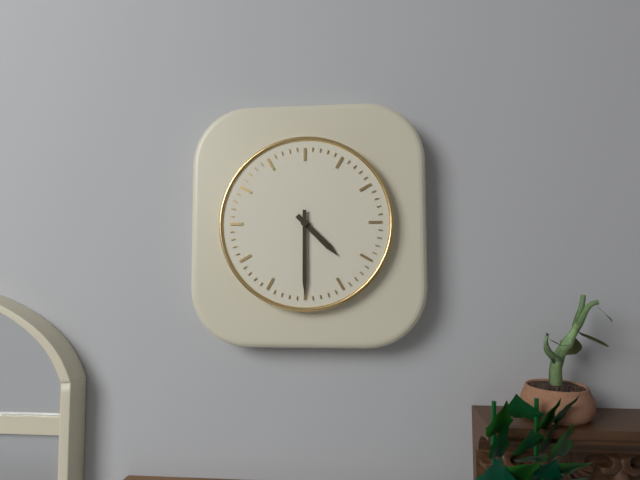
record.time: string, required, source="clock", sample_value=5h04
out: 4h30
